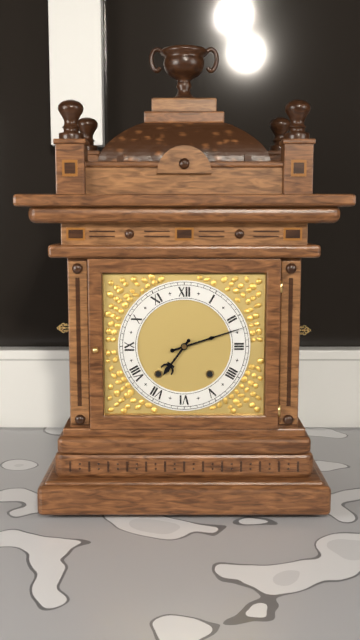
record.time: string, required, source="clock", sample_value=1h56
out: 7h12
